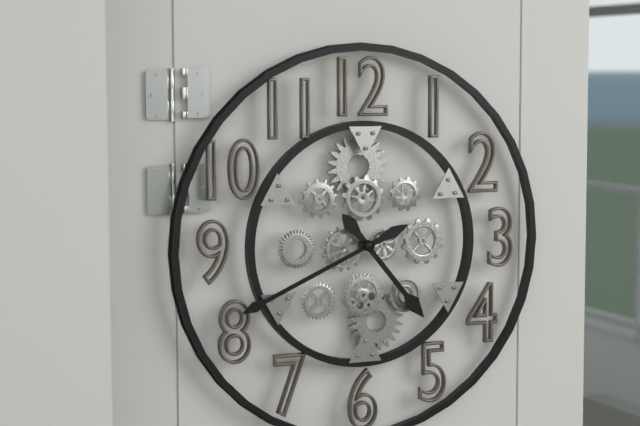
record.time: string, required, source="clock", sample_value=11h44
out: 4h41
